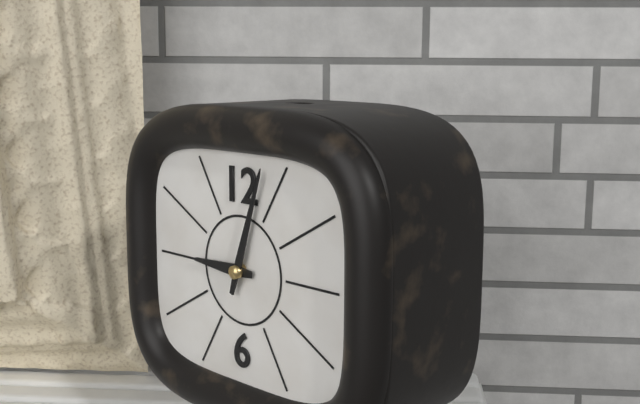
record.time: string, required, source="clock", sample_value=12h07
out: 9h03
